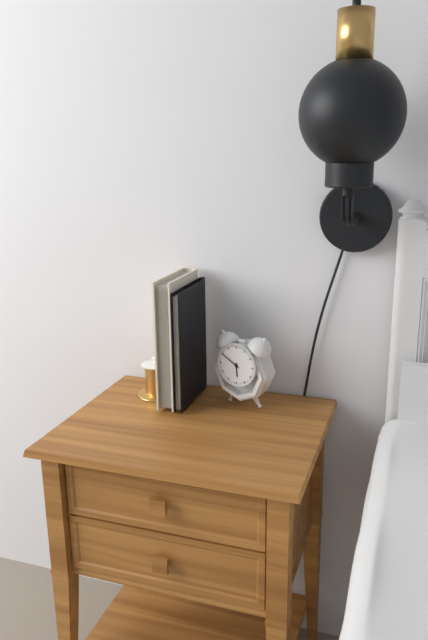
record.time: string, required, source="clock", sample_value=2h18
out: 5h50
